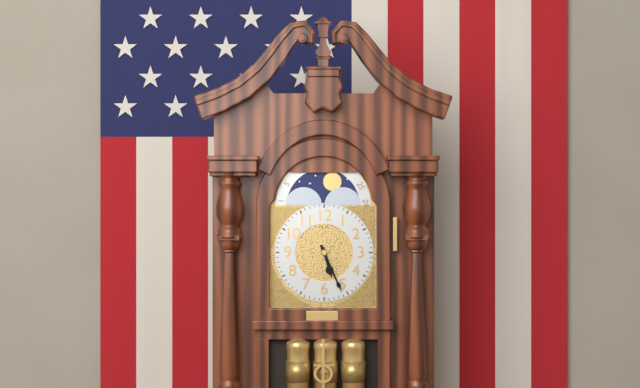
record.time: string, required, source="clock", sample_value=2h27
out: 5h26
